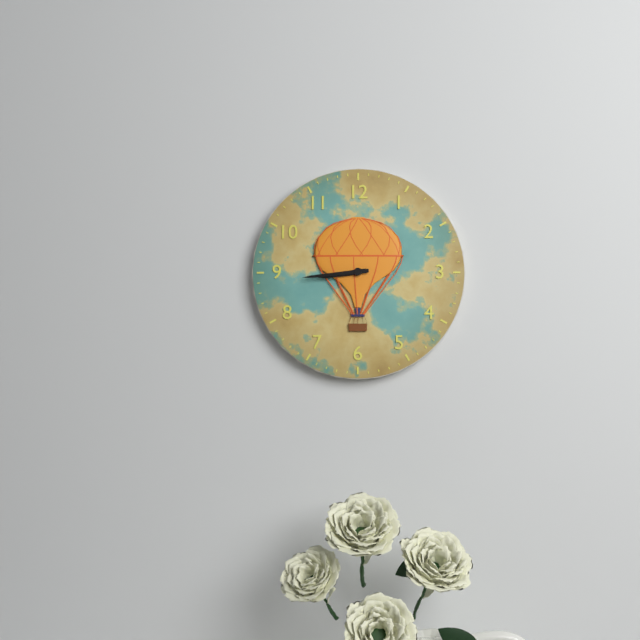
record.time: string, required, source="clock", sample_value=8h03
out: 8h44
